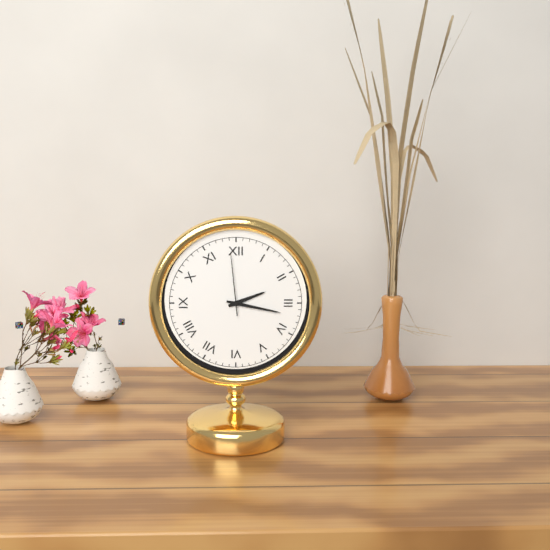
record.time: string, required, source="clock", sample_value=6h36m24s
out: 2h17m59s
